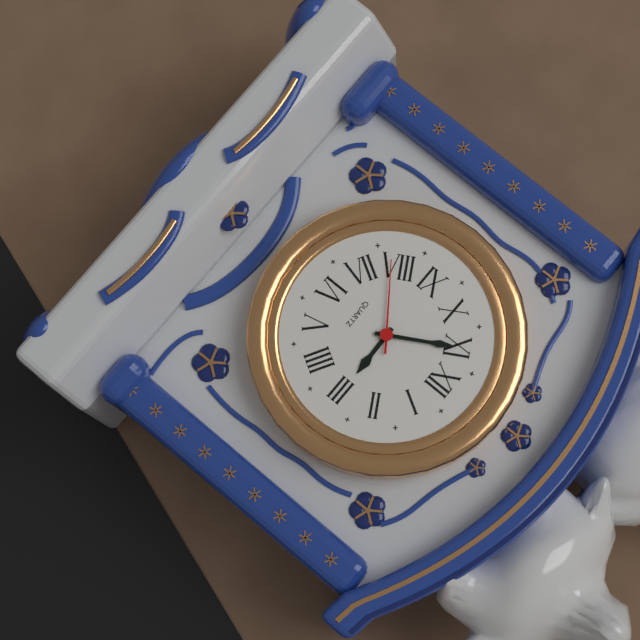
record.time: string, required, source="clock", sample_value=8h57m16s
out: 2h55m39s
